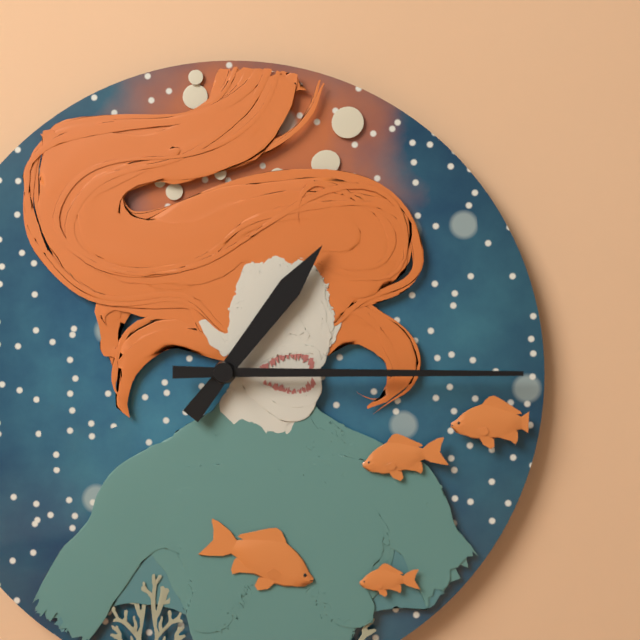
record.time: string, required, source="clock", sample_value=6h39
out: 1h15
